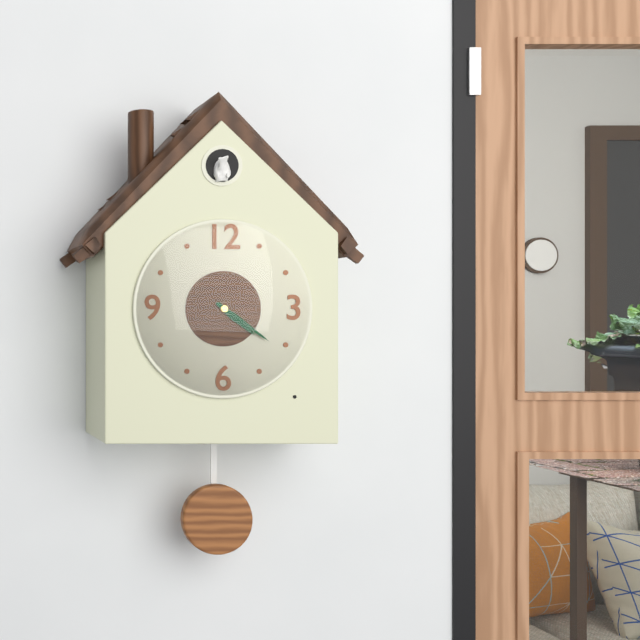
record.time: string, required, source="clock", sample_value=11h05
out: 4h21
